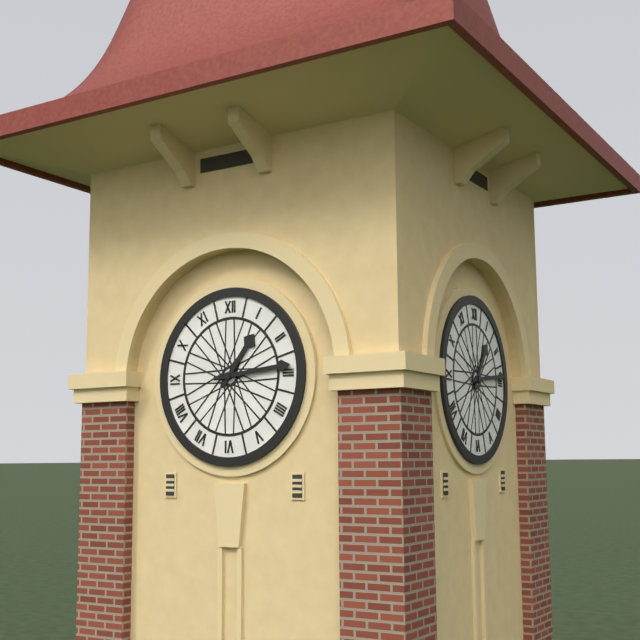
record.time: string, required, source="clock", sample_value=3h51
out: 1h14
